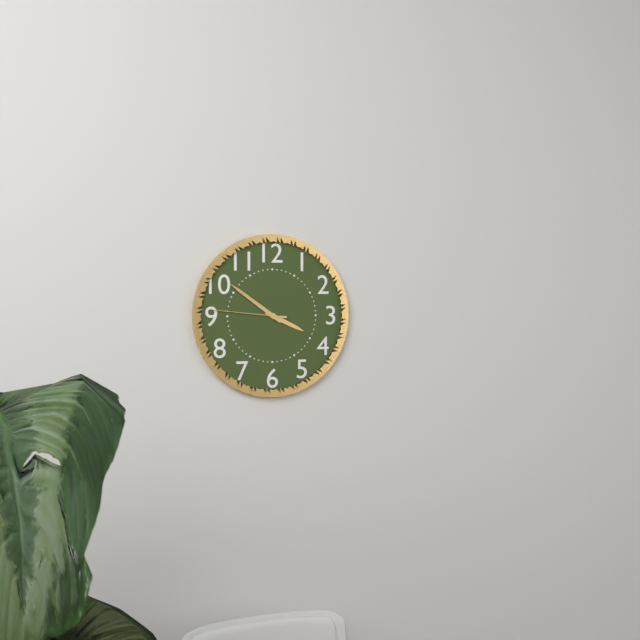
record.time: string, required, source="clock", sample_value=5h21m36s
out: 3h51m46s
